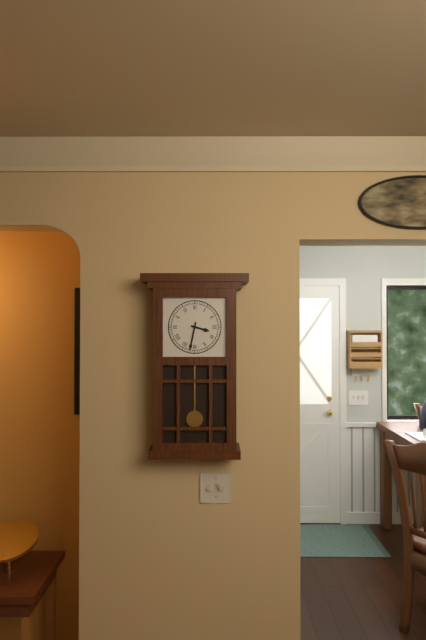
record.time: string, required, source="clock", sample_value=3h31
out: 3h32
